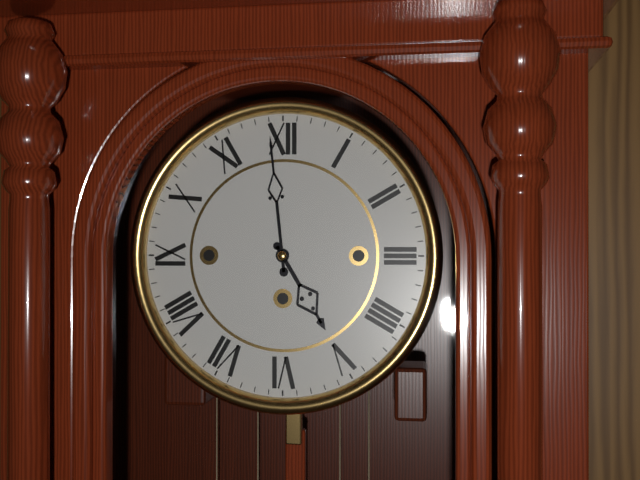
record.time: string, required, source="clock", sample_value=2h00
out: 4h59
